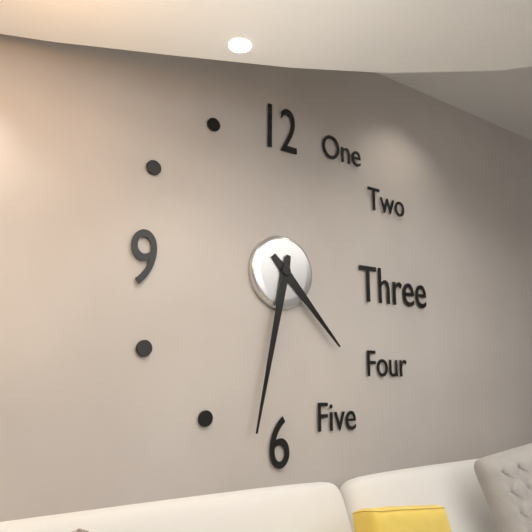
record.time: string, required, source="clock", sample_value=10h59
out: 4h32
